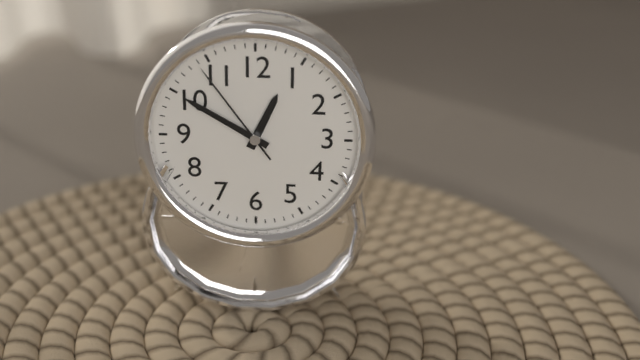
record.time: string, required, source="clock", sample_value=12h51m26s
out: 12h50m54s
